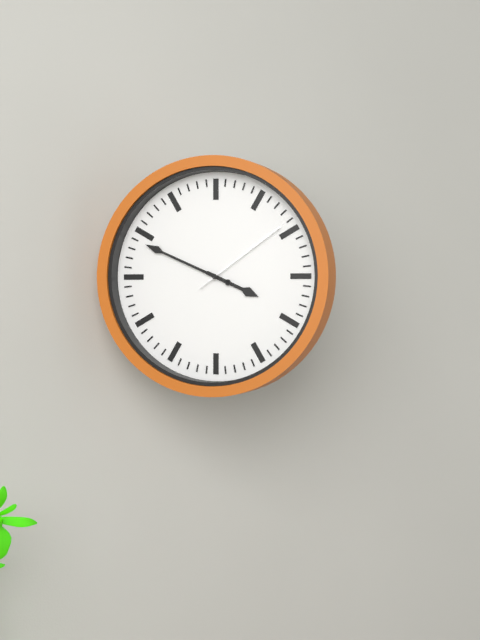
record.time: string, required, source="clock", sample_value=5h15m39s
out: 3h49m09s
